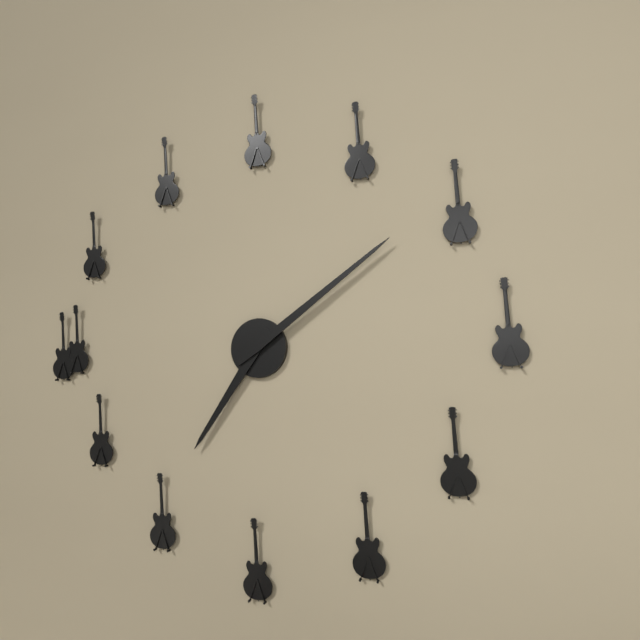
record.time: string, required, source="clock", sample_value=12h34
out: 7h09
